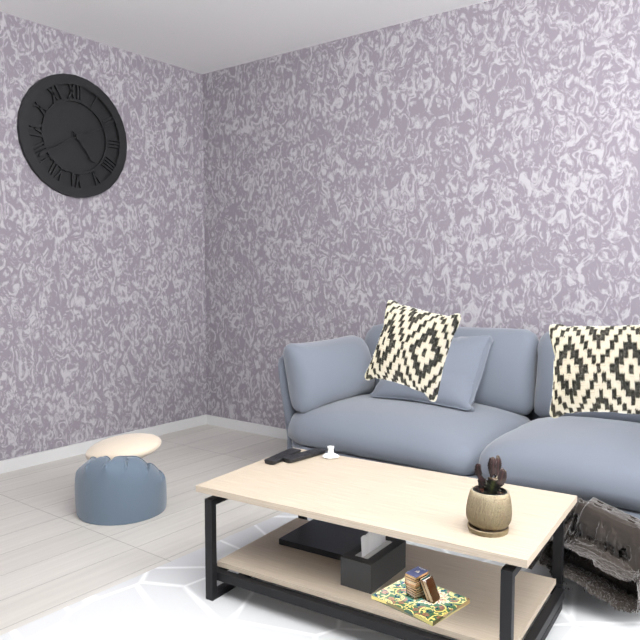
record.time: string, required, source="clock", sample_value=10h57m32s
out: 4h40m41s
